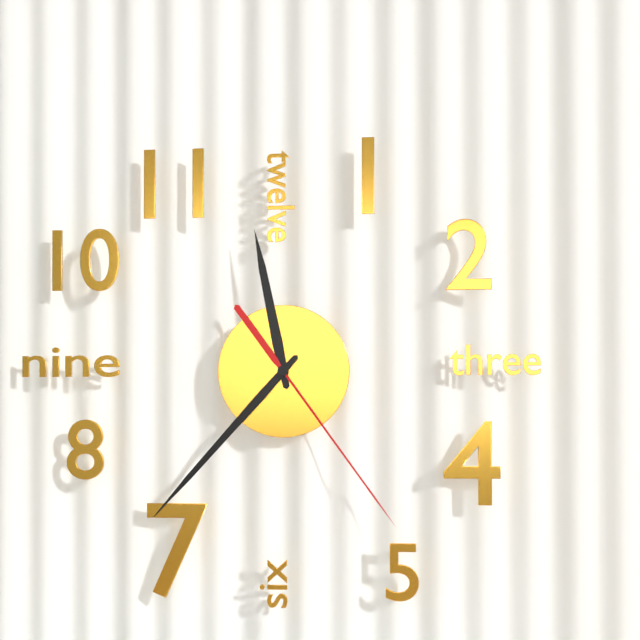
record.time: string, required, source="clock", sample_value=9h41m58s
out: 11h37m24s
